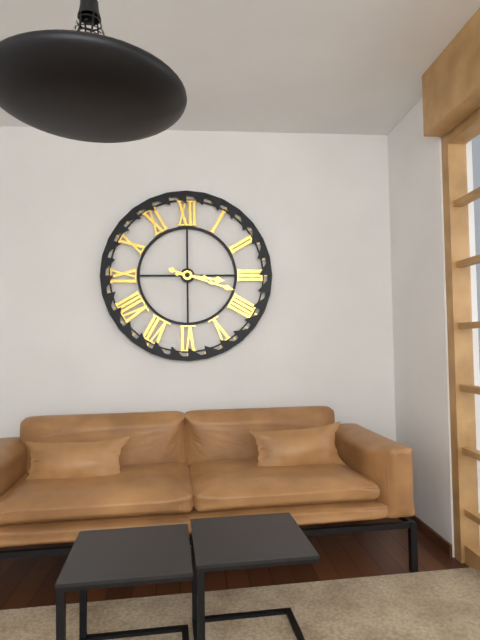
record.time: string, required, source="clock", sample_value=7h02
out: 3h18
